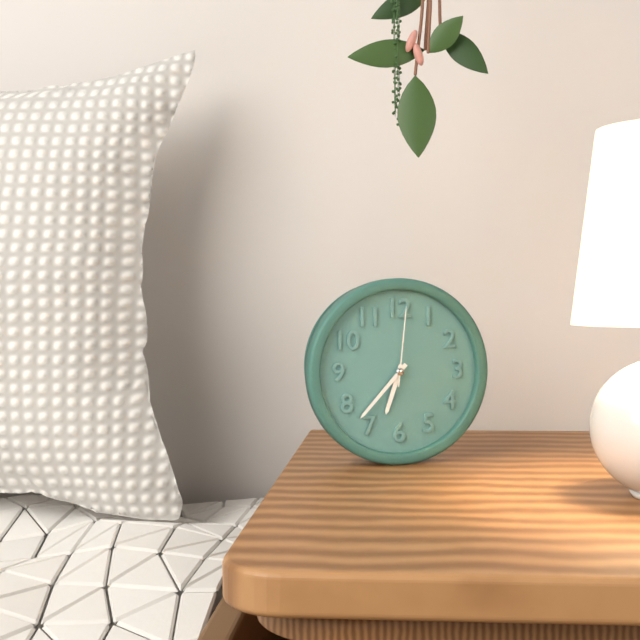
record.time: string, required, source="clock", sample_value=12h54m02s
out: 6h37m01s
